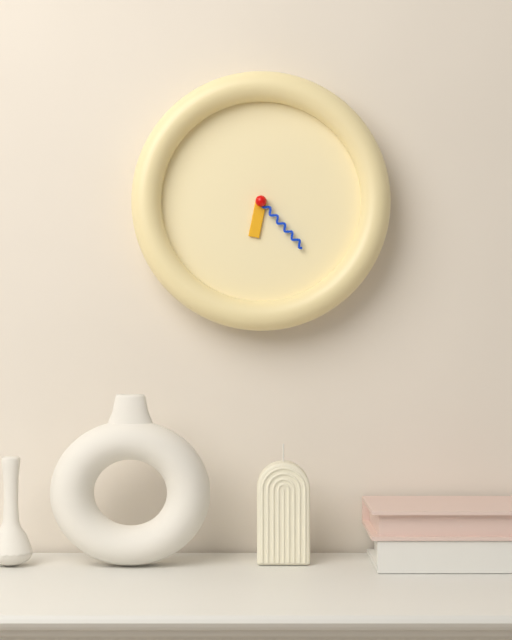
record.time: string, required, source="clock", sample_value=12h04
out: 6h23
